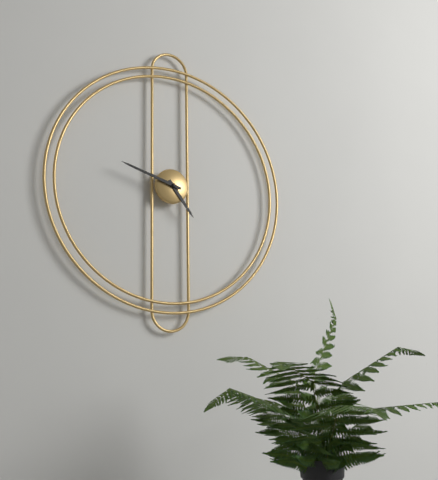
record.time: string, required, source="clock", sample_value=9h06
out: 4h48
